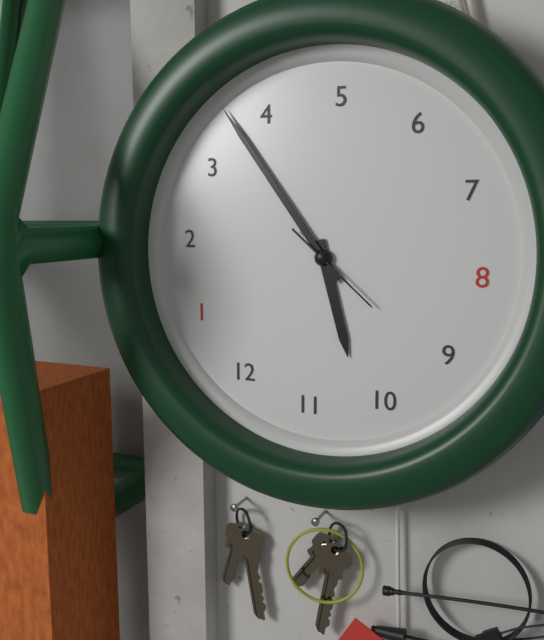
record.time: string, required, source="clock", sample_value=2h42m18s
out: 10h18m46s
